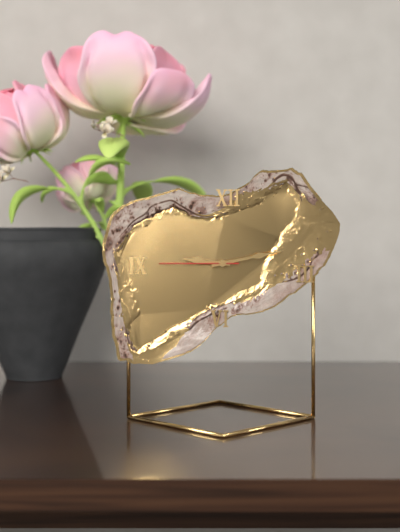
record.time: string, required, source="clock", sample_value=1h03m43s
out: 9h13m45s
